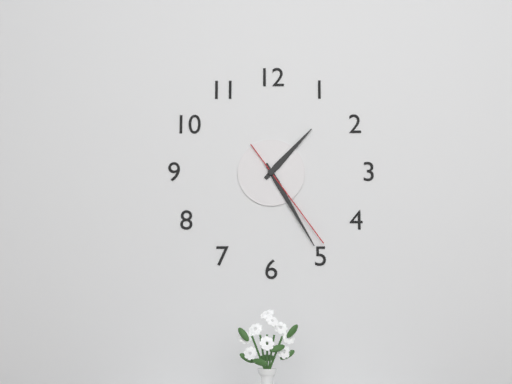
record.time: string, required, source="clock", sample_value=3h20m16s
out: 1h25m24s
